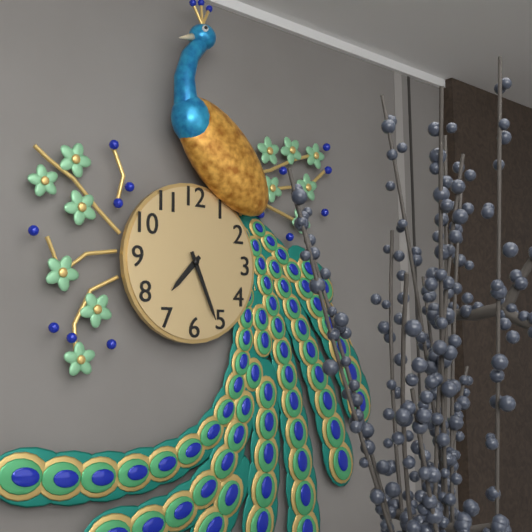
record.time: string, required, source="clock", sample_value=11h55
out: 7h26
